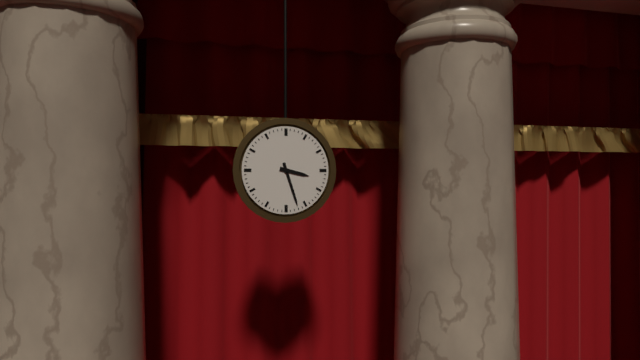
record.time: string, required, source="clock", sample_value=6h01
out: 3h27
